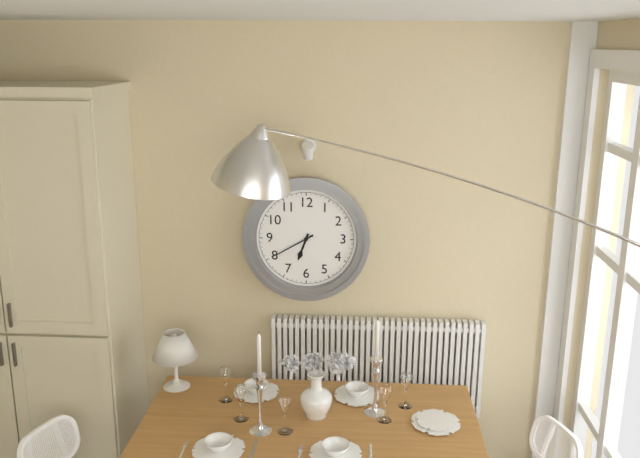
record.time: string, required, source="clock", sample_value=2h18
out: 6h40
